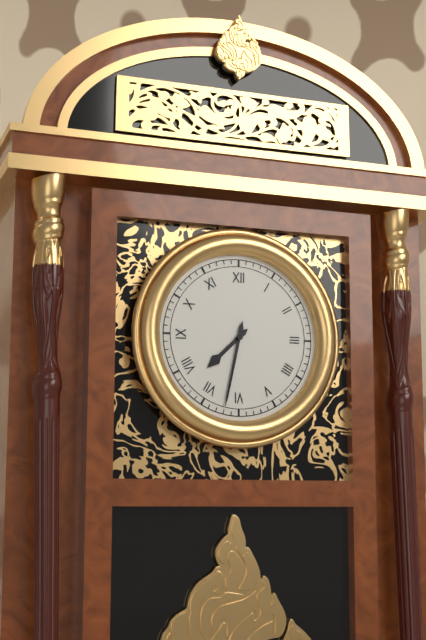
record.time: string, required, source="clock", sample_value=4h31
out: 7h32
